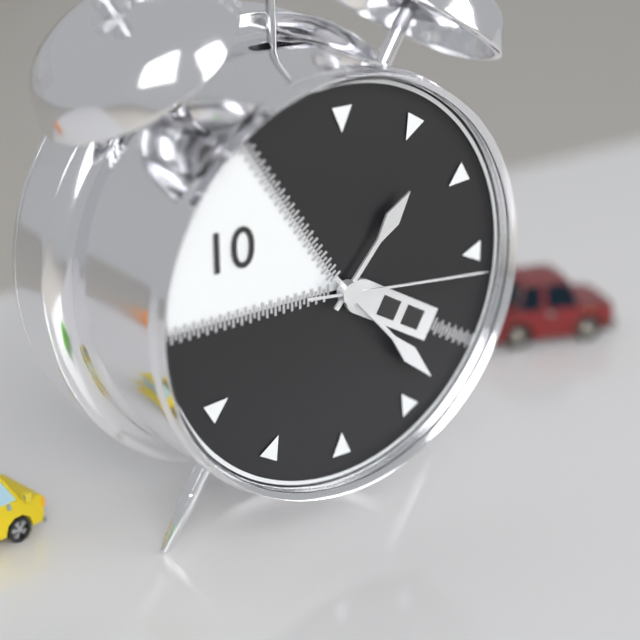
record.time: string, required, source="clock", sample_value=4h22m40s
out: 1h23m16s
